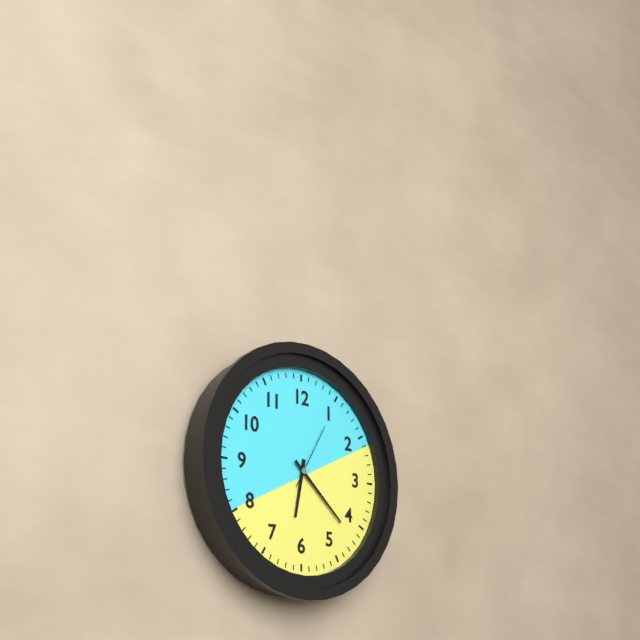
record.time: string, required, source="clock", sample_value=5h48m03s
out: 6h22m05s
